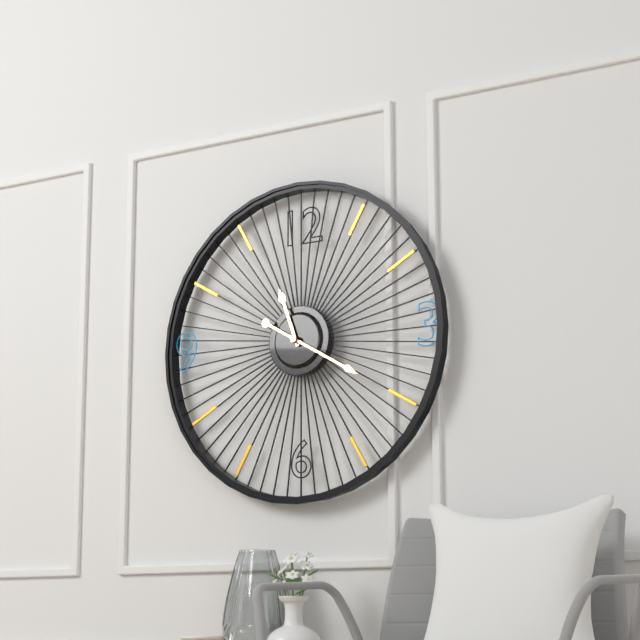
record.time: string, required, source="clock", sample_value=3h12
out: 11h20
